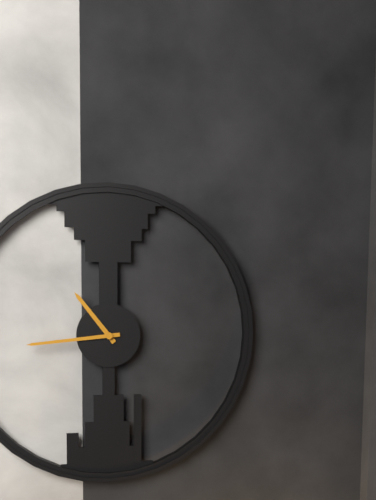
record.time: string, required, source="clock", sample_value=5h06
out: 10h44
